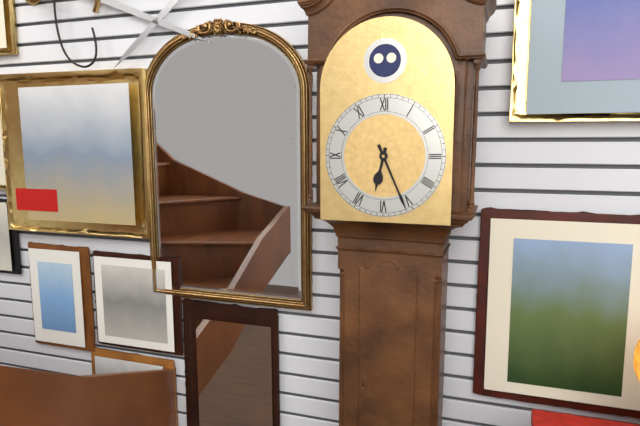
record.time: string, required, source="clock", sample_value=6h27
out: 6h26
